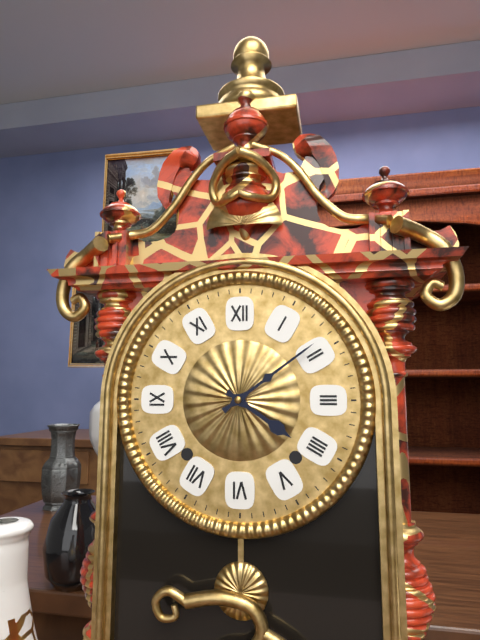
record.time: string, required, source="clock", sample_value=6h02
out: 4h09
